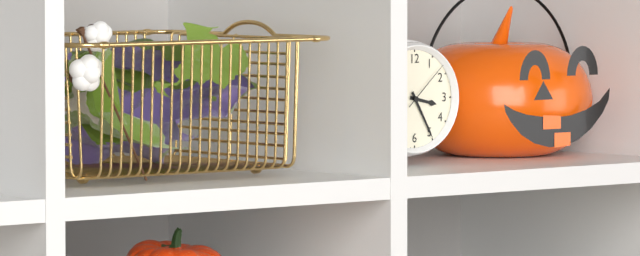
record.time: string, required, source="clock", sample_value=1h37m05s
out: 3h25m08s
